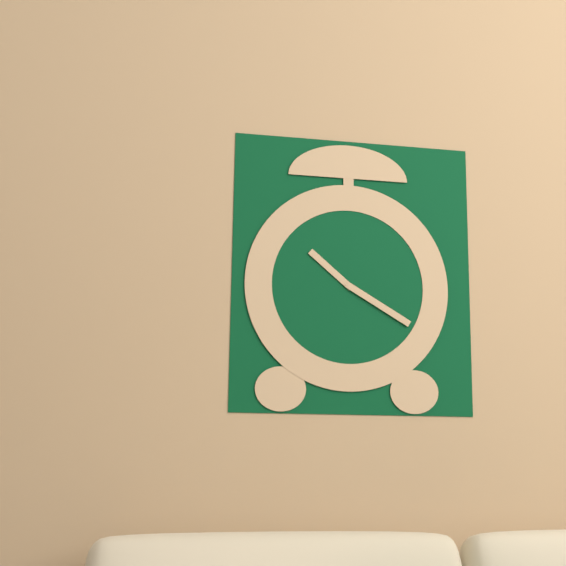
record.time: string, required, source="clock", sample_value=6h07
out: 10h20
